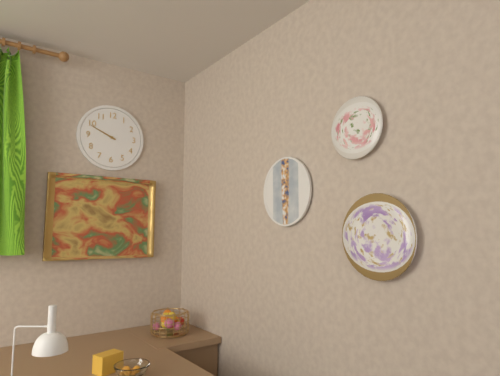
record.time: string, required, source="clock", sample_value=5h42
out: 9h49
